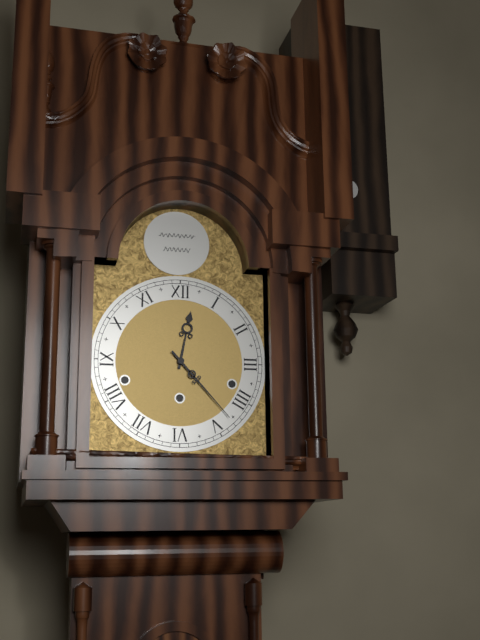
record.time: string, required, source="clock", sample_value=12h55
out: 12h23
